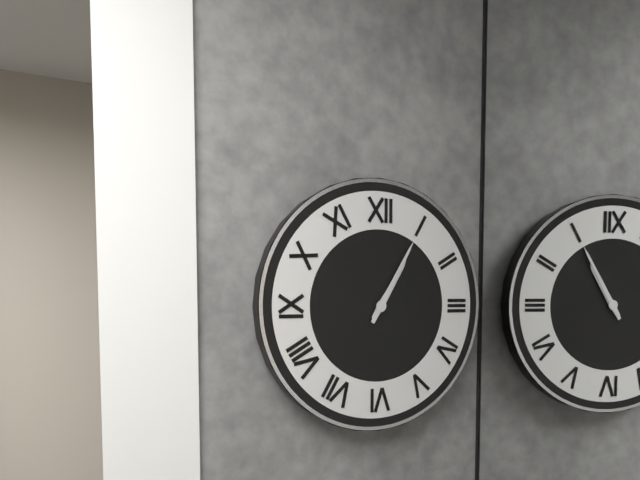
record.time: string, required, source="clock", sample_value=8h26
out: 1h05
